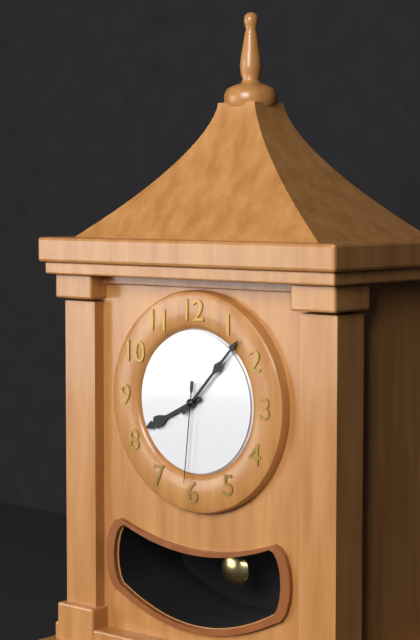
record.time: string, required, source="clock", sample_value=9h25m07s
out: 8h07m31s
